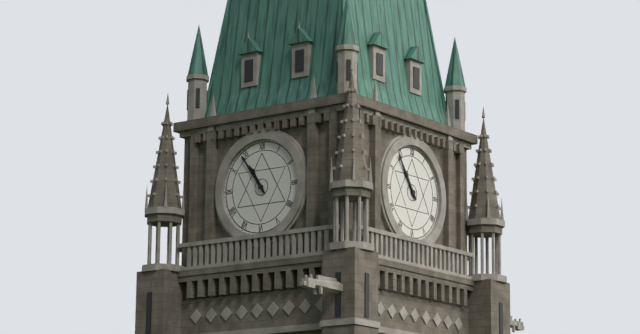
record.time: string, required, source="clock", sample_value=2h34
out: 10h54
